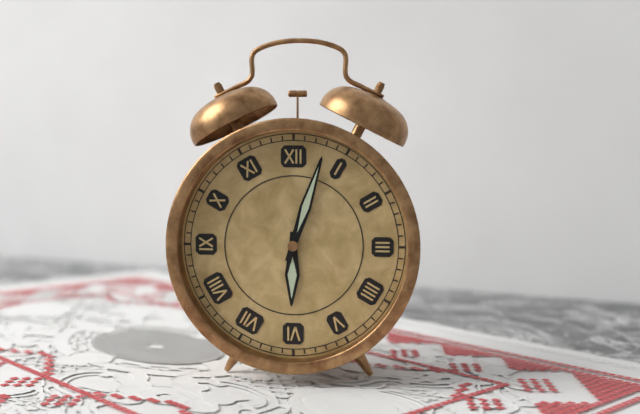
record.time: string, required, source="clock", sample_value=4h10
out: 6h03
